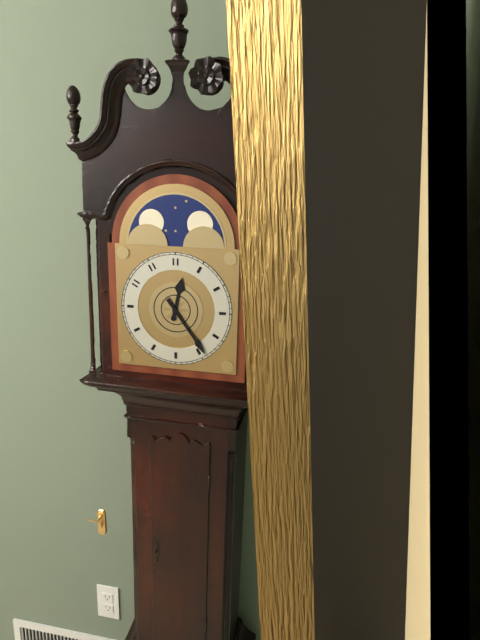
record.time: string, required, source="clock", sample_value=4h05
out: 12h24
